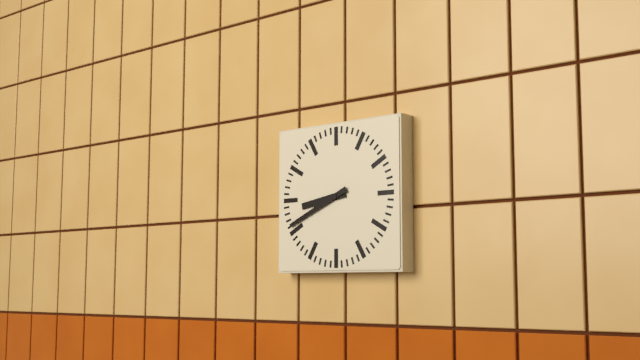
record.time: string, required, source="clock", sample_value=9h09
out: 8h41
